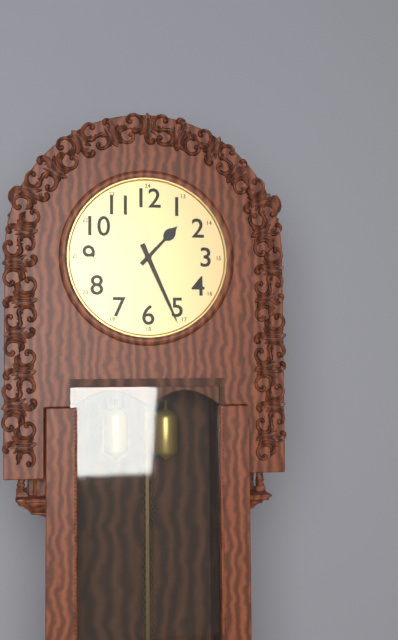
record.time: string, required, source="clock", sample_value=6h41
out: 1h26
